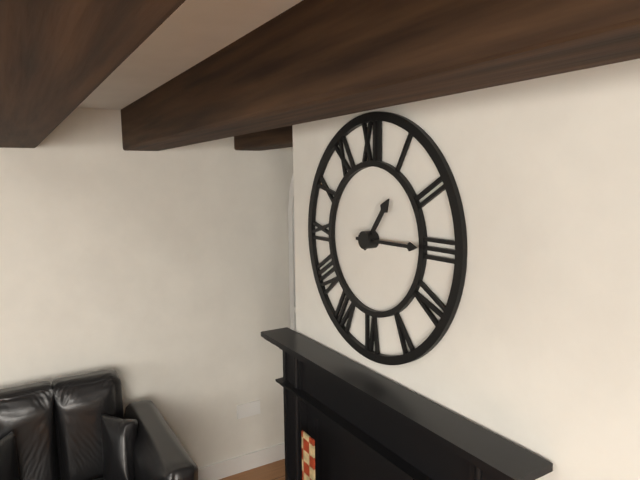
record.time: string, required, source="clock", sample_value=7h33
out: 1h15
